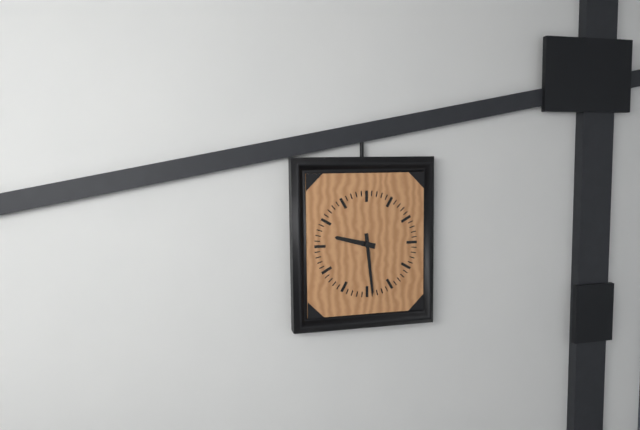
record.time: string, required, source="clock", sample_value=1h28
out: 9h29
